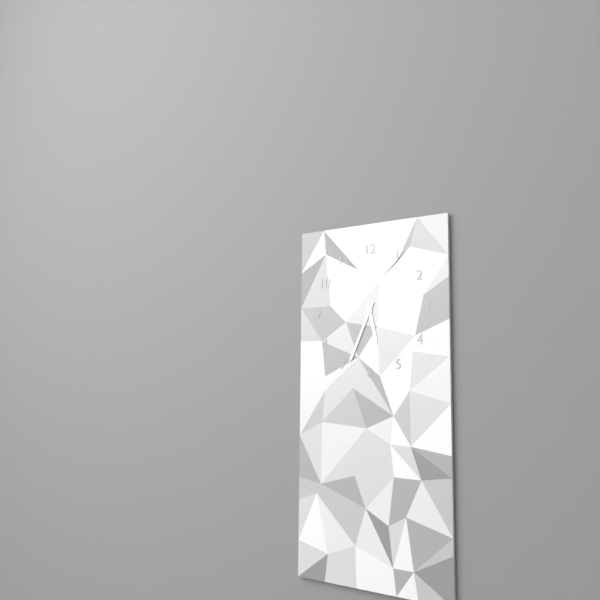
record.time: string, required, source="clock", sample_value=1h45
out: 5h34
